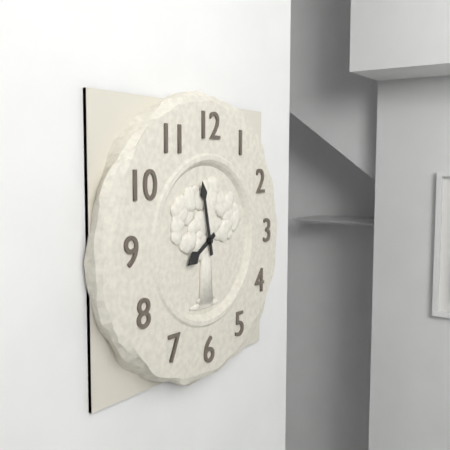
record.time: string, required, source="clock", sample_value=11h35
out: 7h58
